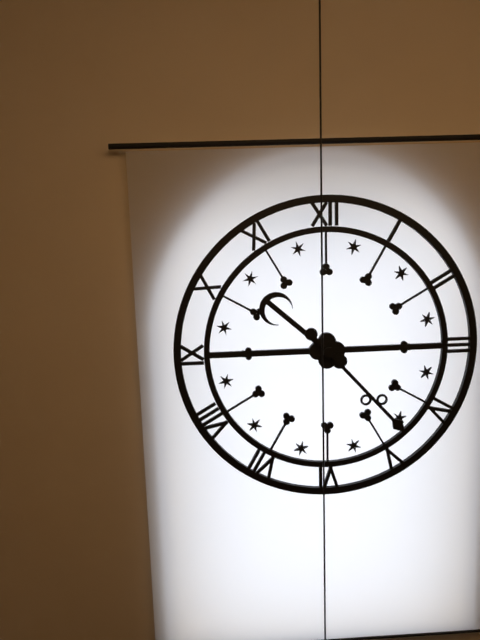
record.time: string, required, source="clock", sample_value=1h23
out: 10h23
